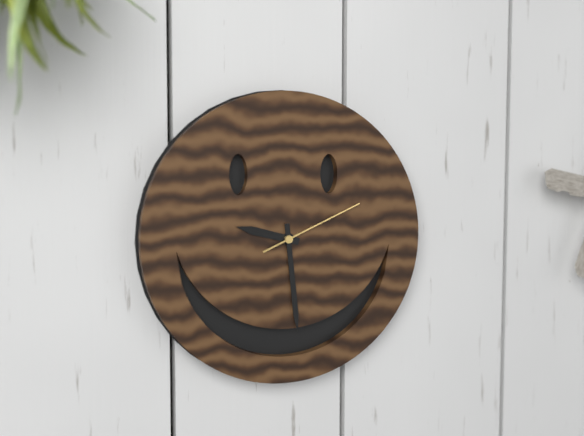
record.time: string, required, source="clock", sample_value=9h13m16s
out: 9h29m11s
